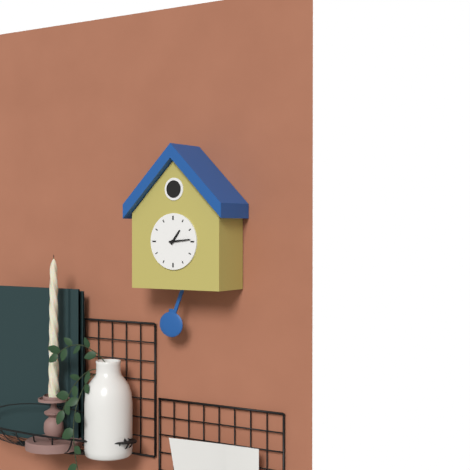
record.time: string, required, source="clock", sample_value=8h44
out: 1h14
